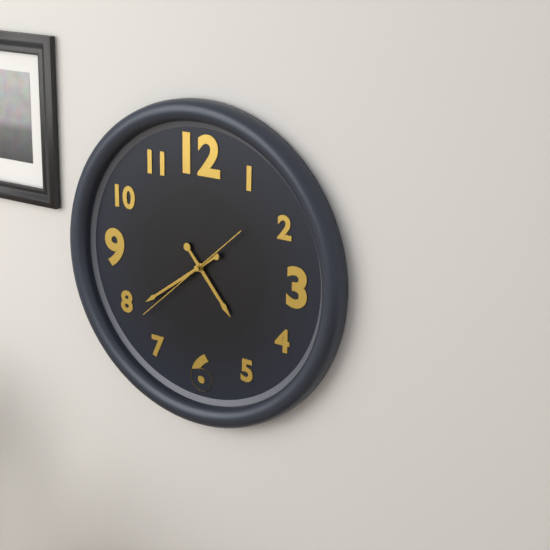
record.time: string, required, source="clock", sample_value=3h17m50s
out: 4h39m38s
